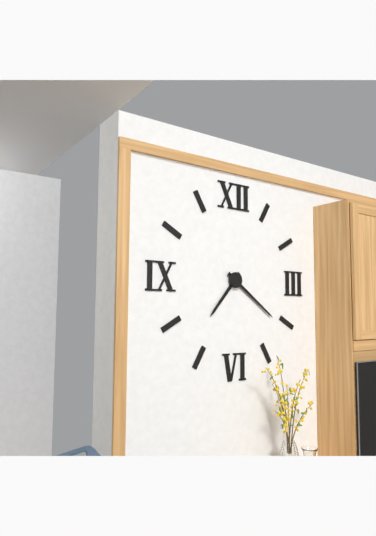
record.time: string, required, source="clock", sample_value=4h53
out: 7h21
